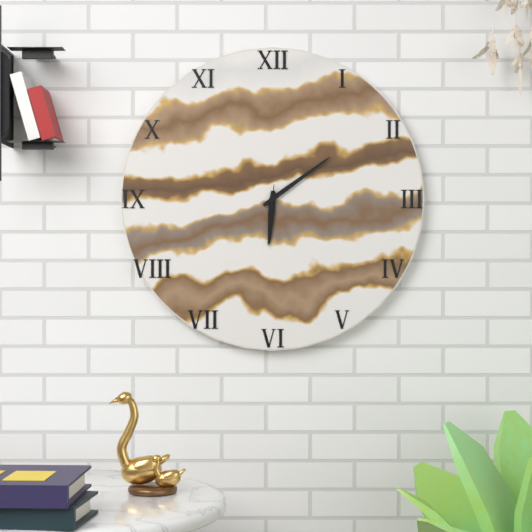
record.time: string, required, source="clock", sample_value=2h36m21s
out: 6h09m31s
